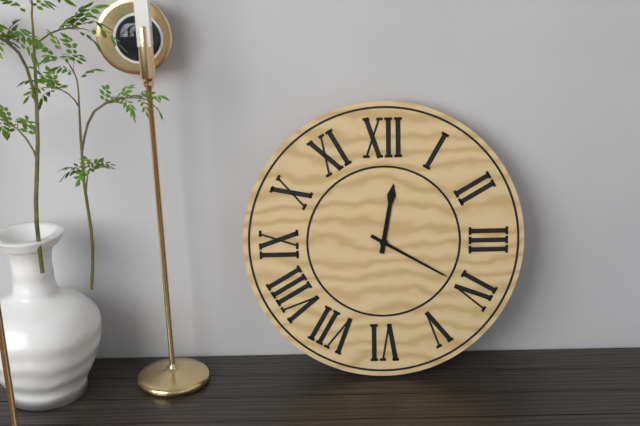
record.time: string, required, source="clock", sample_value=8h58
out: 12h20
